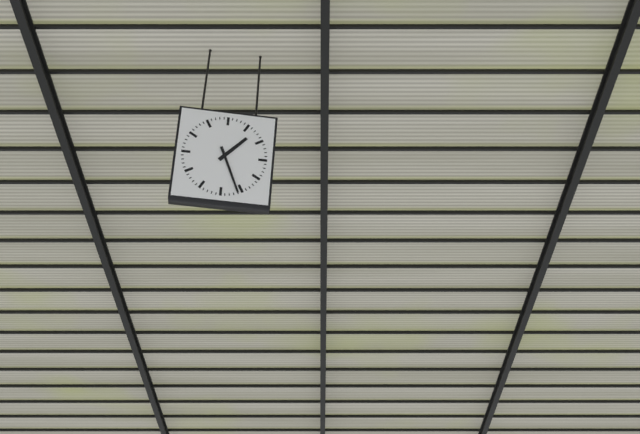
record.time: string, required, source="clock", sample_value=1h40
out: 1h26
